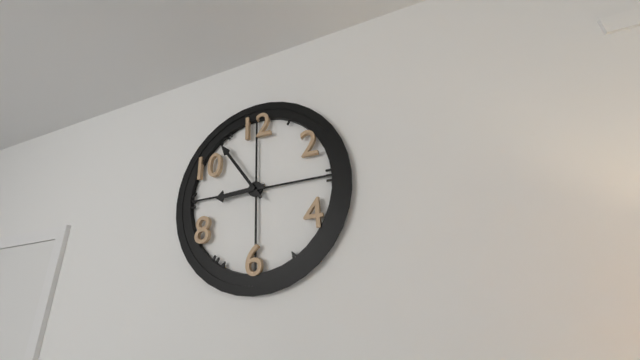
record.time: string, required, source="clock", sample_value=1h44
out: 8h54
